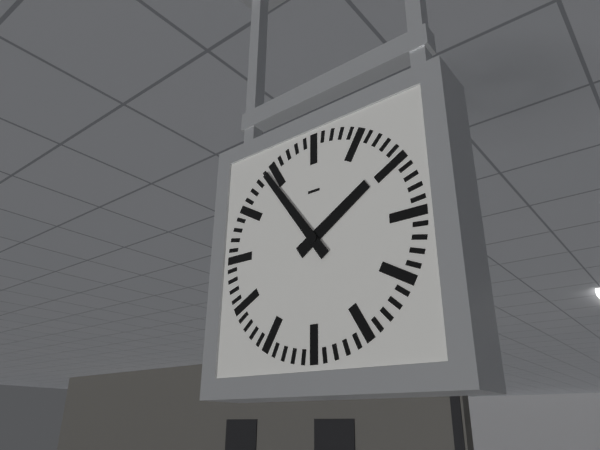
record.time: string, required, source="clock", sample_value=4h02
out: 1h54
